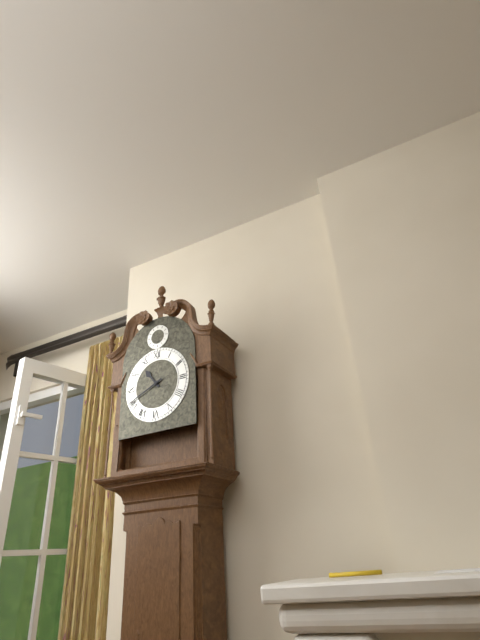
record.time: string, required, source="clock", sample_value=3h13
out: 10h41
